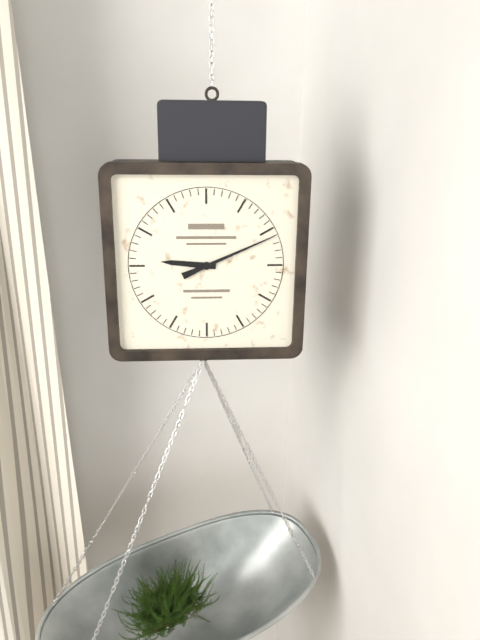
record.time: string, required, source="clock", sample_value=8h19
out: 9h11
